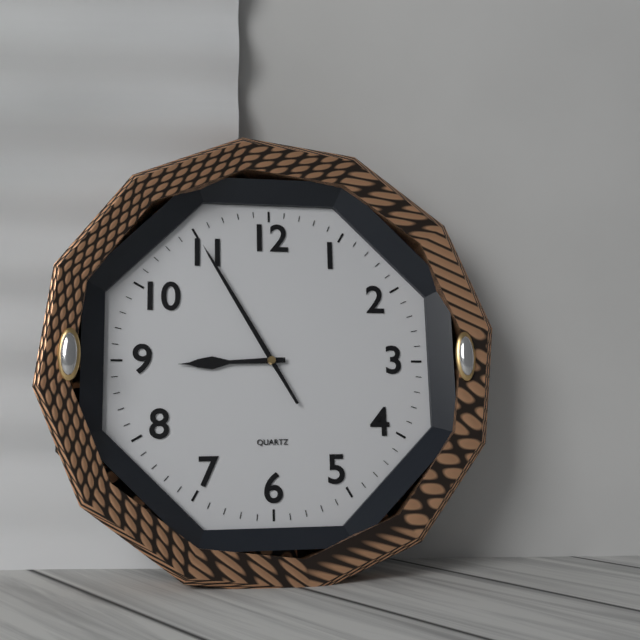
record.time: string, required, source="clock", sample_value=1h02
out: 8h55
